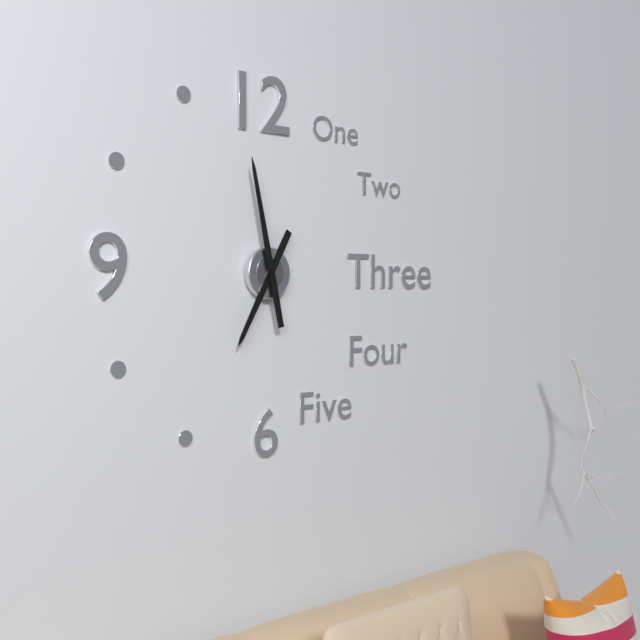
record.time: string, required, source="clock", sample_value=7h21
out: 6h58
